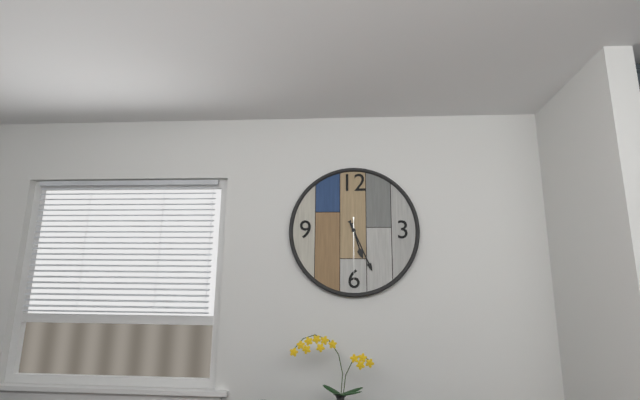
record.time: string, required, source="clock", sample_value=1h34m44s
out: 5h26m30s
